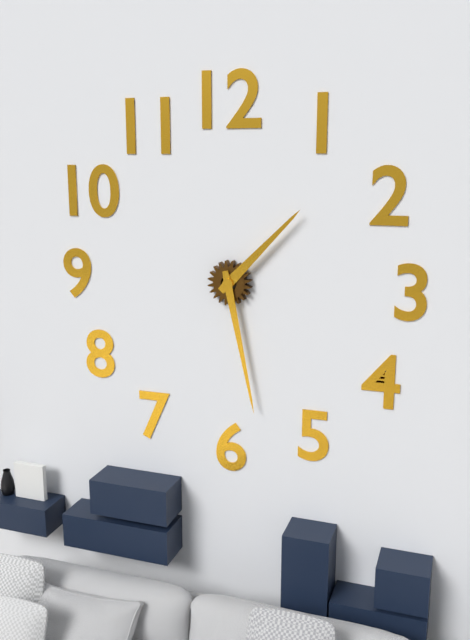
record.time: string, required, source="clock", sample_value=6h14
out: 1h28
